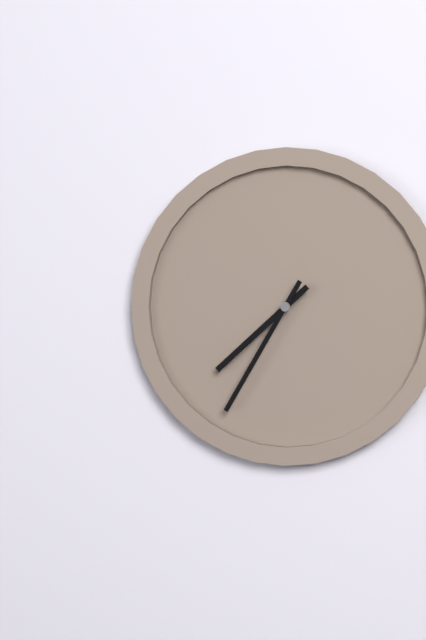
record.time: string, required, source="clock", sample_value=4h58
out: 7h35
